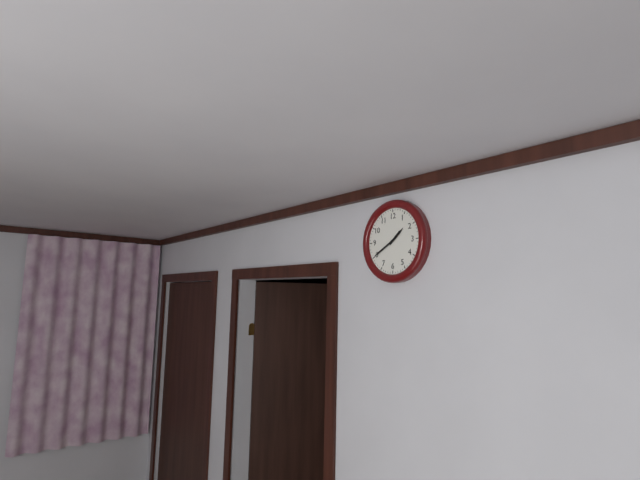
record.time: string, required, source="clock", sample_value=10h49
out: 1h40
